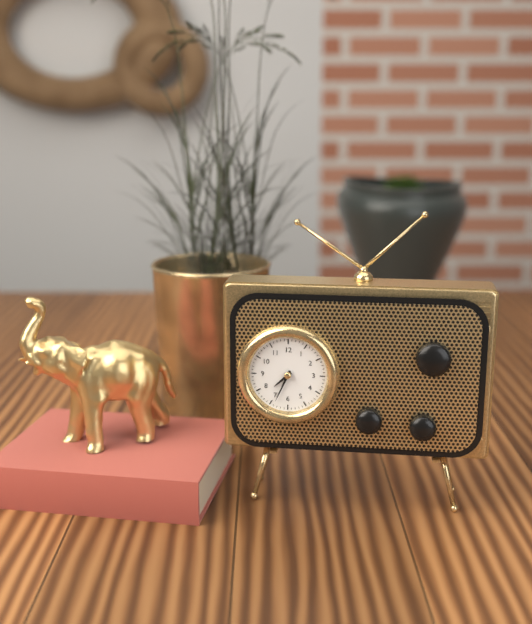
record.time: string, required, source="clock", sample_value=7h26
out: 7h34
